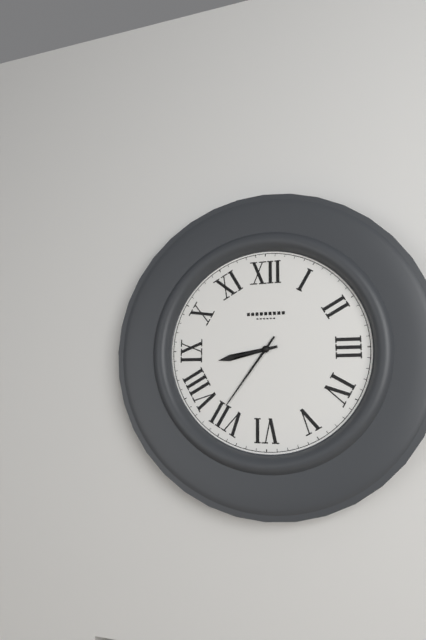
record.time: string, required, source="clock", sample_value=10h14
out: 8h36
